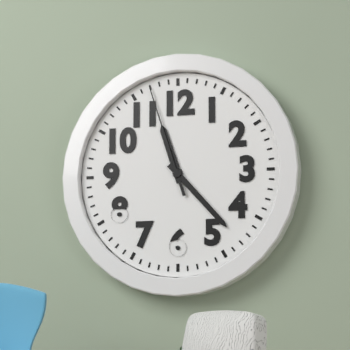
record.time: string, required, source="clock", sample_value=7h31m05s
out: 11h23m57s
